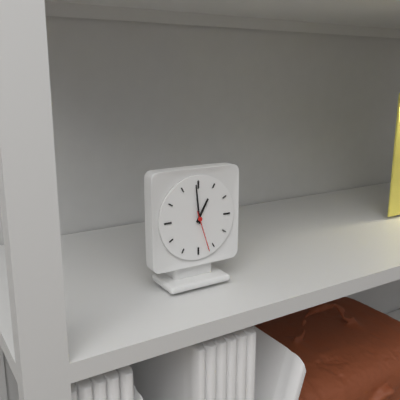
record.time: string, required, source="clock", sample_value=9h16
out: 12h59
